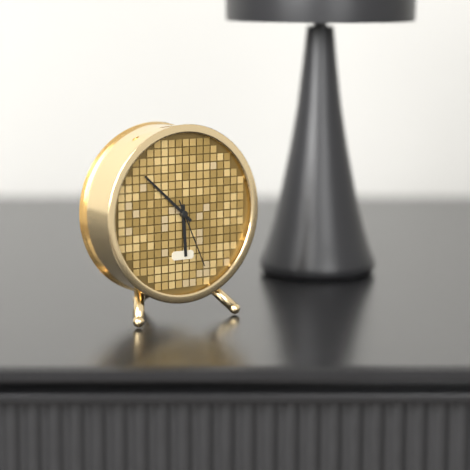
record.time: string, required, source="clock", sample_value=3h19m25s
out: 5h52m26s
